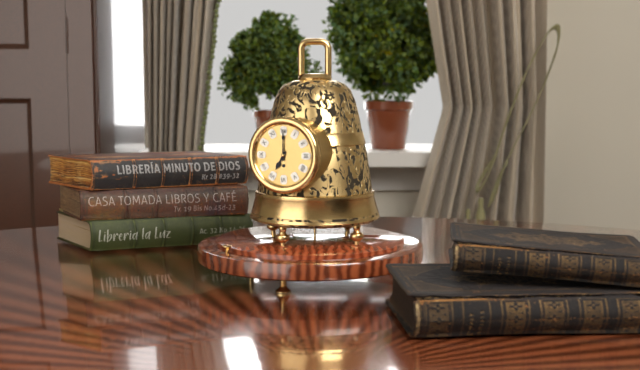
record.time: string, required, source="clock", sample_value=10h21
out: 7h00
